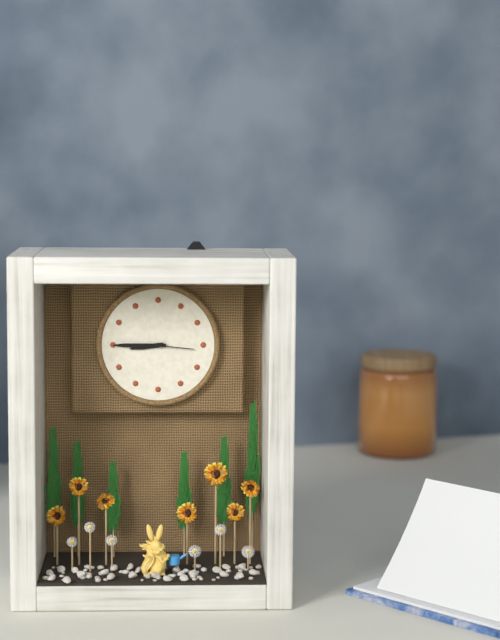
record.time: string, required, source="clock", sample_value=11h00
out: 8h45
